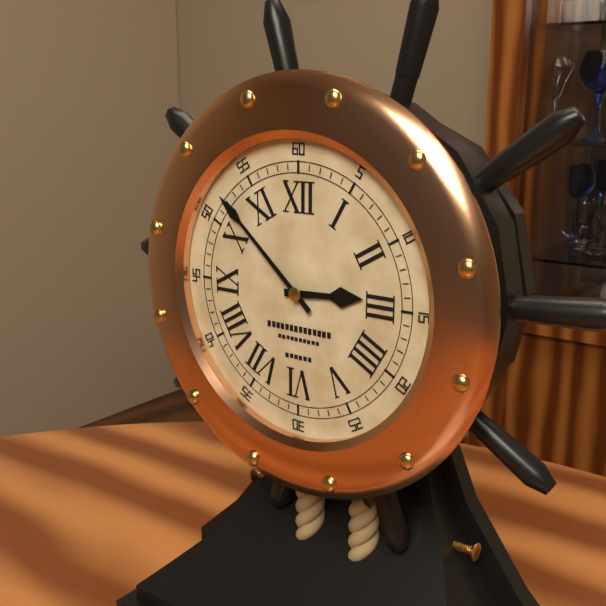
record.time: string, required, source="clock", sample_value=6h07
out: 2h52
